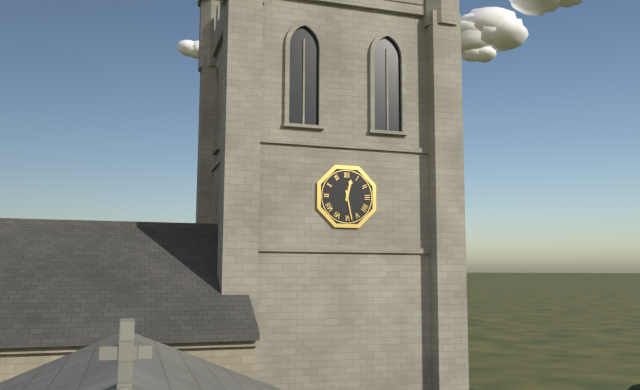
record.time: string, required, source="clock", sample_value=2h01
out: 12h28
